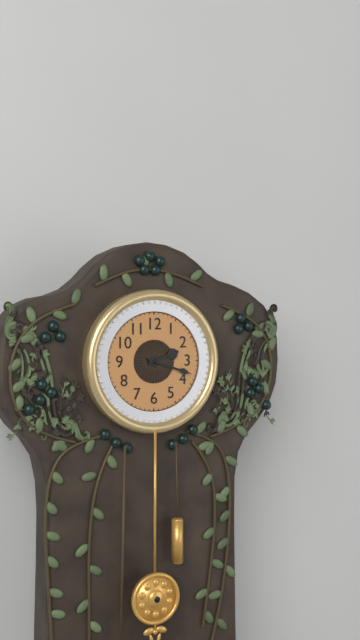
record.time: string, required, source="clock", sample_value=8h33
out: 2h18
